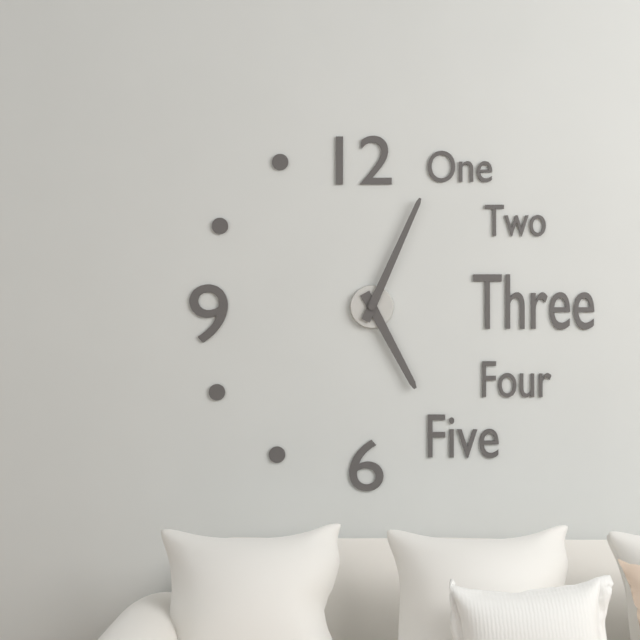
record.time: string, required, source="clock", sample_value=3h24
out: 5h04
